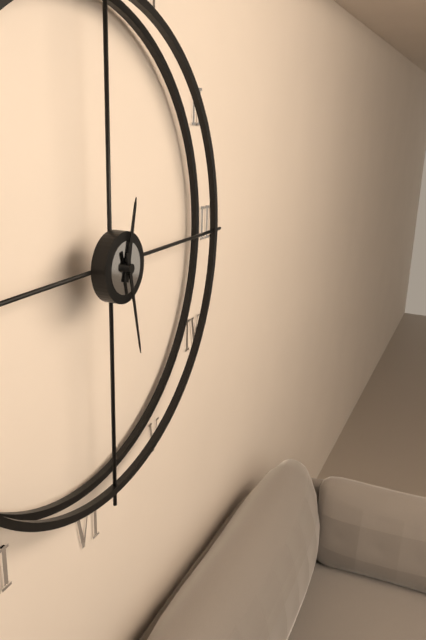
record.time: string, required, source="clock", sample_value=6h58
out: 12h28
